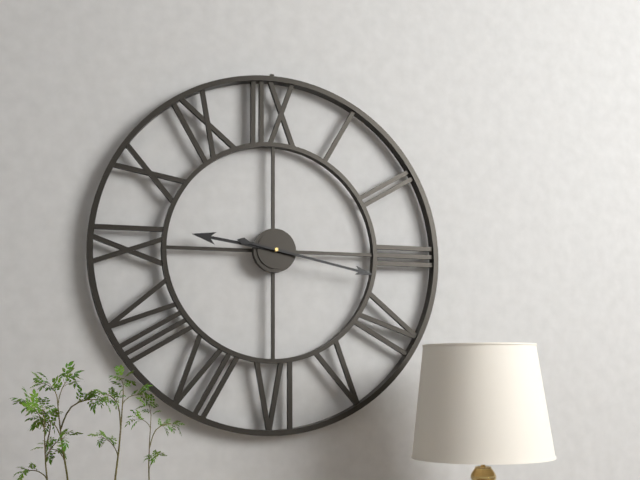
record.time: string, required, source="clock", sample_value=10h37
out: 9h17
